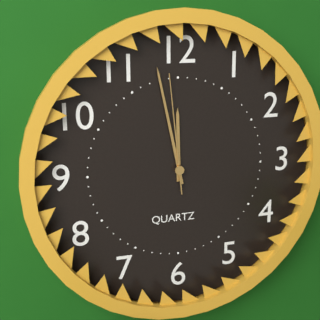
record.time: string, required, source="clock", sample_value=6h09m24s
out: 11h58m59s
